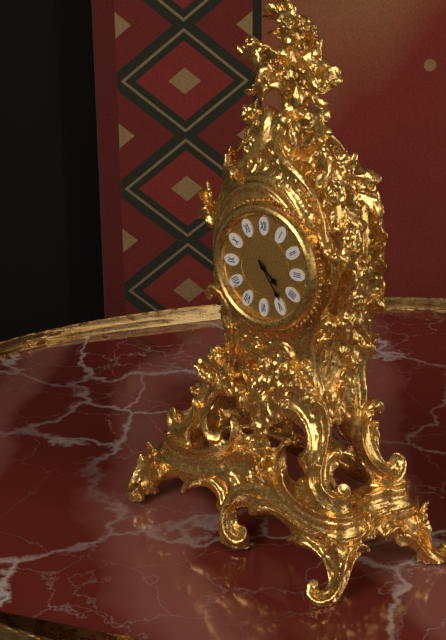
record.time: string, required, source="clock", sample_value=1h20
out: 4h24
